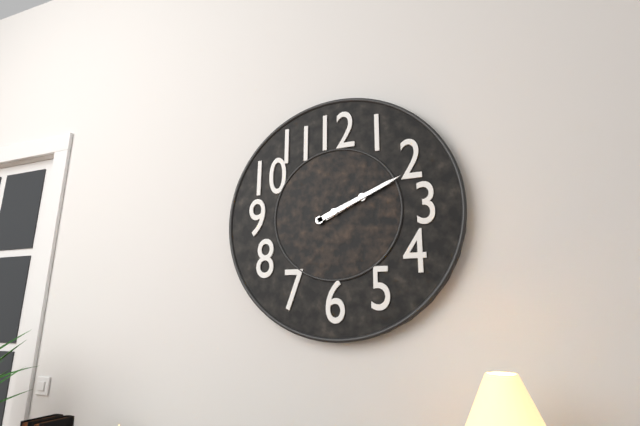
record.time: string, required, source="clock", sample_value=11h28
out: 2h11
